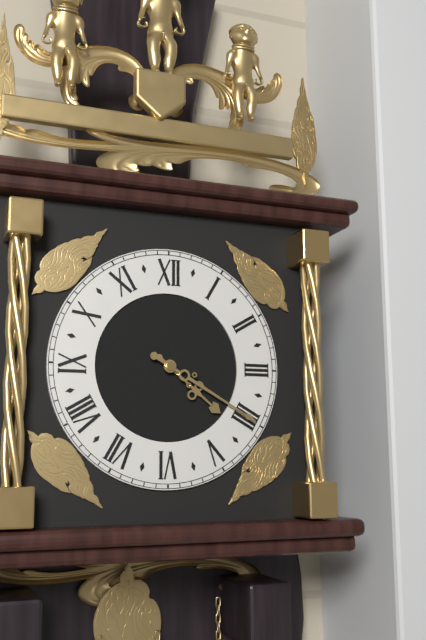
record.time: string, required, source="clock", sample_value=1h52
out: 4h20
